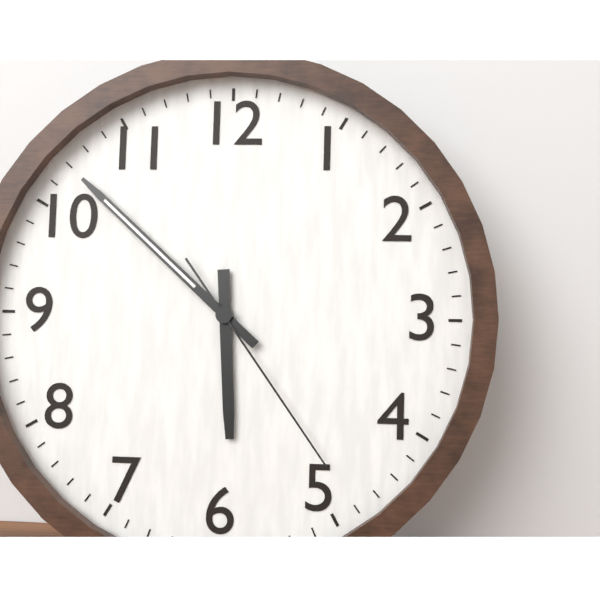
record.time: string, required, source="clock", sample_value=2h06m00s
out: 5h52m24s
